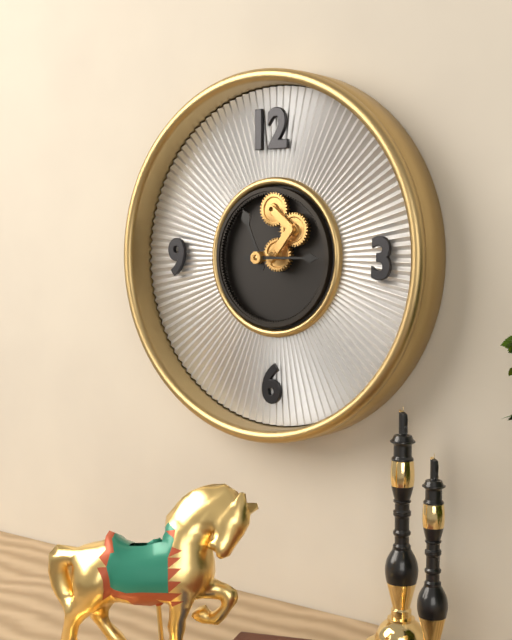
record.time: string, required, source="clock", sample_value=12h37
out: 11h15
